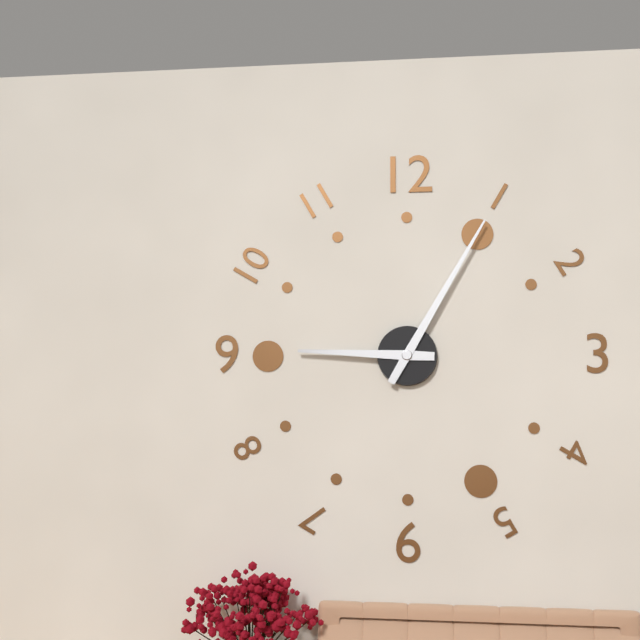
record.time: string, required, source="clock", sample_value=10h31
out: 9h05
